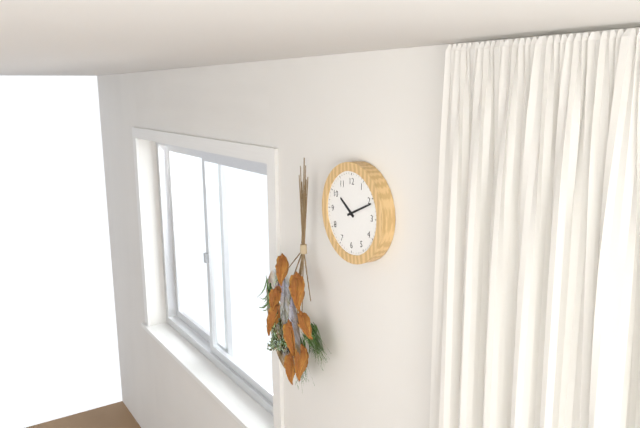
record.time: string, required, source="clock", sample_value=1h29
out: 10h11
